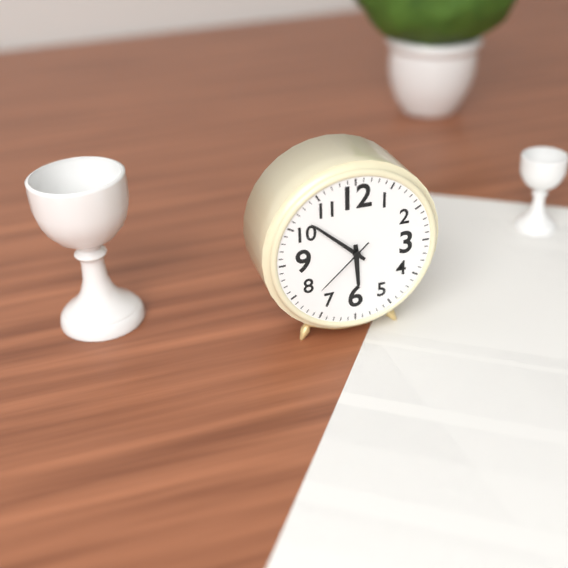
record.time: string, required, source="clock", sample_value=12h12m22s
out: 5h52m38s
